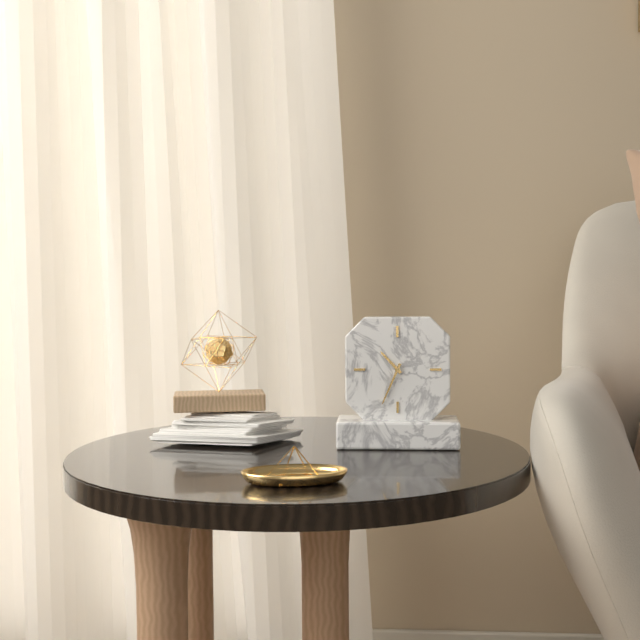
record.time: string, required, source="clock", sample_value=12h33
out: 10h34
